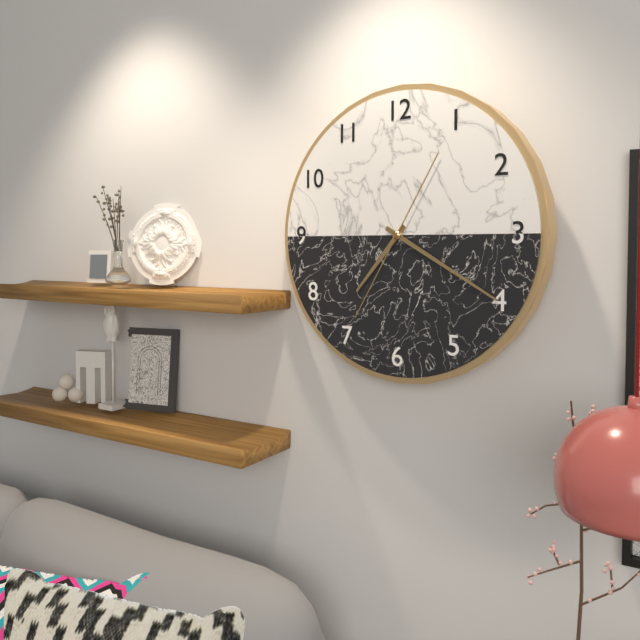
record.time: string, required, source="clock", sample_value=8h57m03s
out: 7h20m35s
